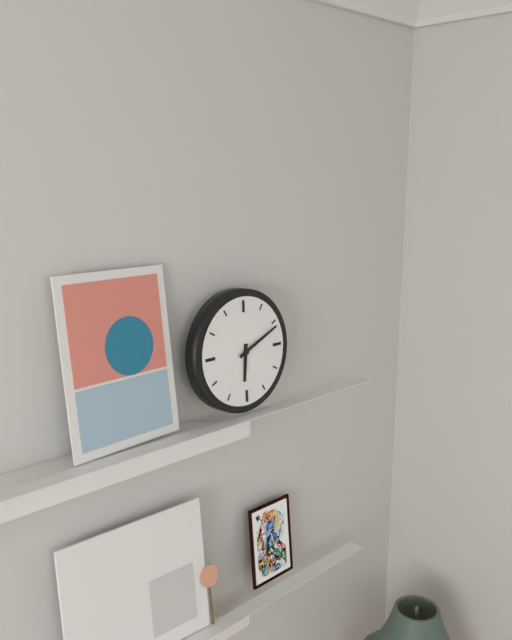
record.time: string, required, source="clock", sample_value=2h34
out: 6h11
